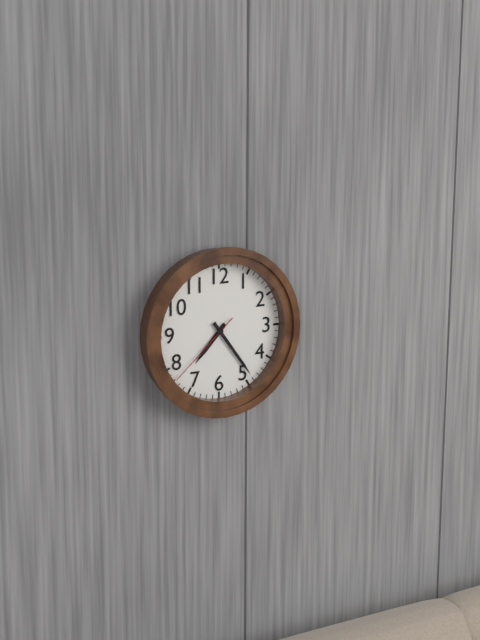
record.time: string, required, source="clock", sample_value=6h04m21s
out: 7h24m38s
